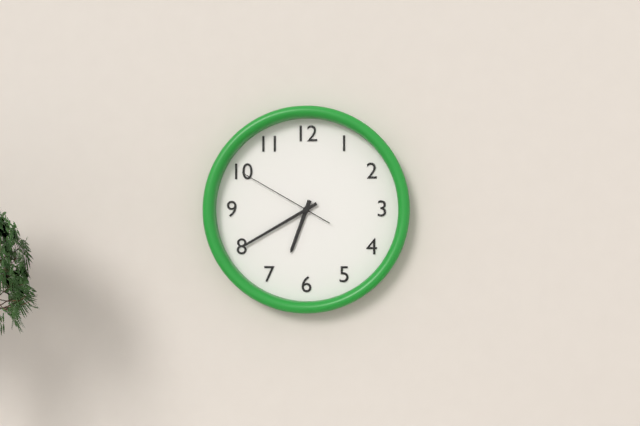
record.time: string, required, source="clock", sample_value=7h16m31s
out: 6h40m50s
